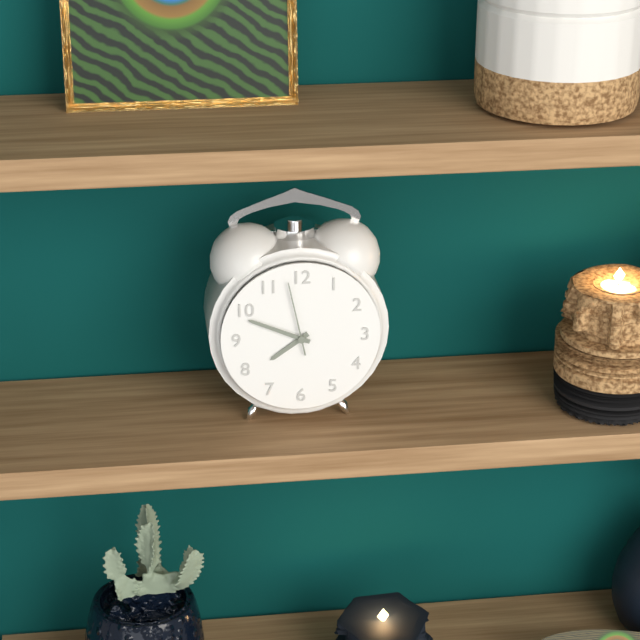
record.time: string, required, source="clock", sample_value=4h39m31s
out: 7h49m58s
